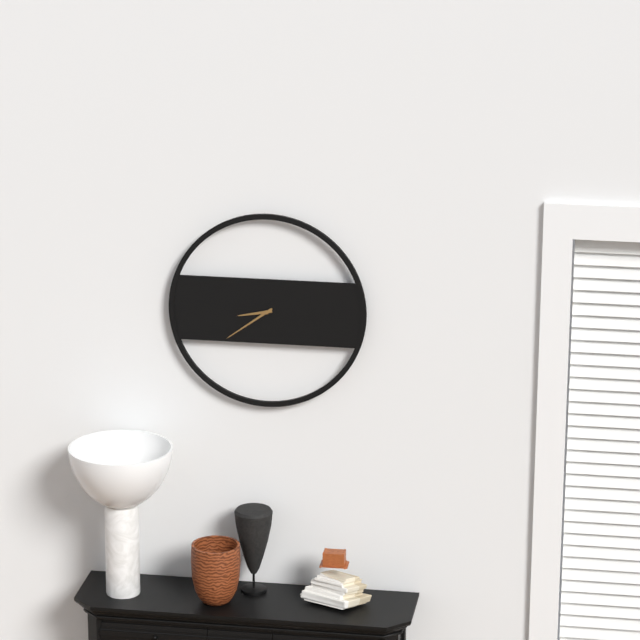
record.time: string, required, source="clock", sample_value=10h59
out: 8h39
